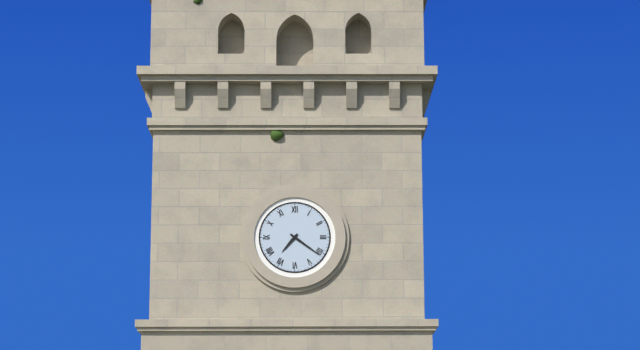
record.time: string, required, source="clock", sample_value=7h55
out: 7h21
